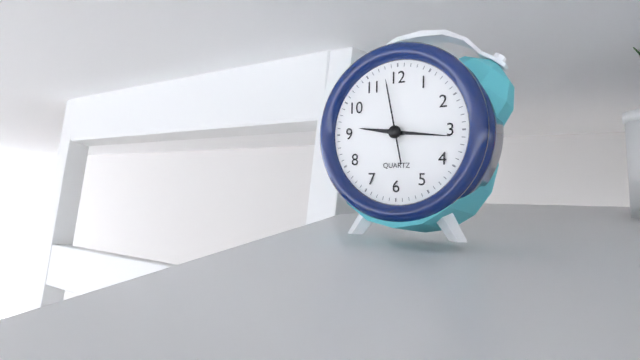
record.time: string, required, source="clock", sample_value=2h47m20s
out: 9h16m58s
